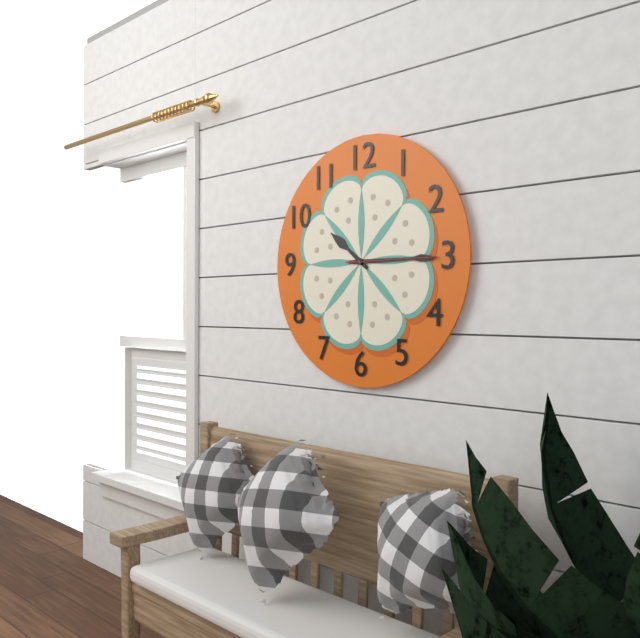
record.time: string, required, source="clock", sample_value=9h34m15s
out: 10h15m15s
